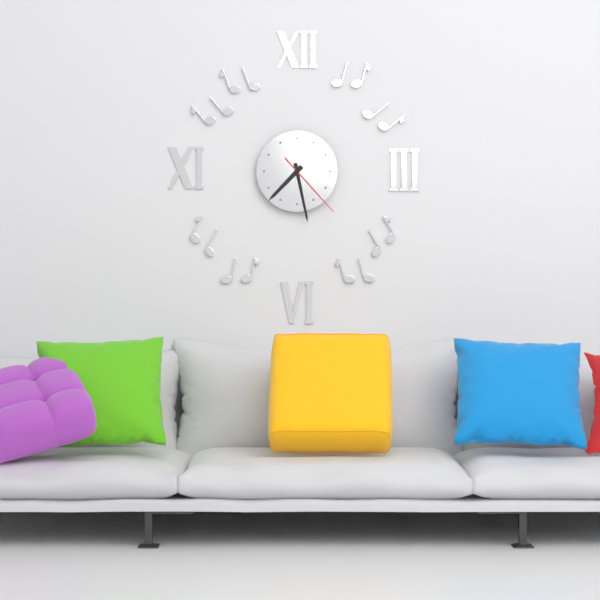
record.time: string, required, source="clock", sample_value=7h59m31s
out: 7h28m23s
